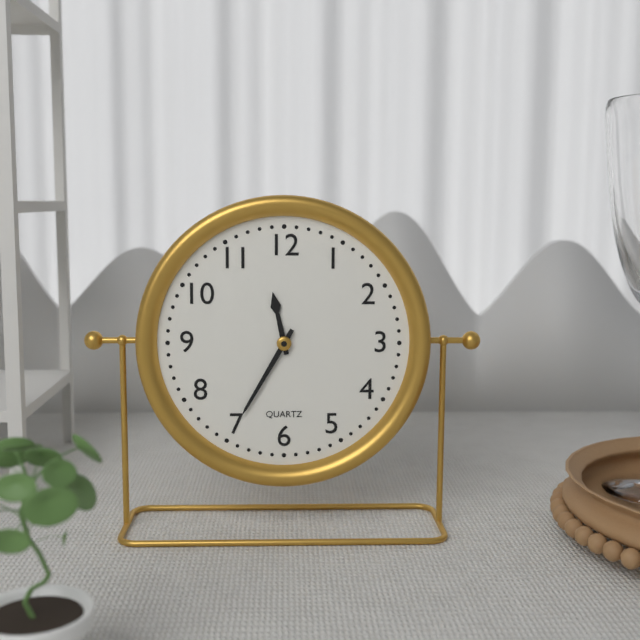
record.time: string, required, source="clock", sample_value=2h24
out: 11h35
